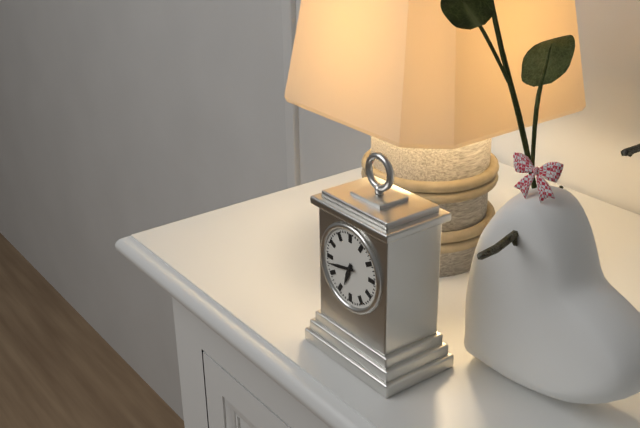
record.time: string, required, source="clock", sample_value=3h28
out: 6h43
